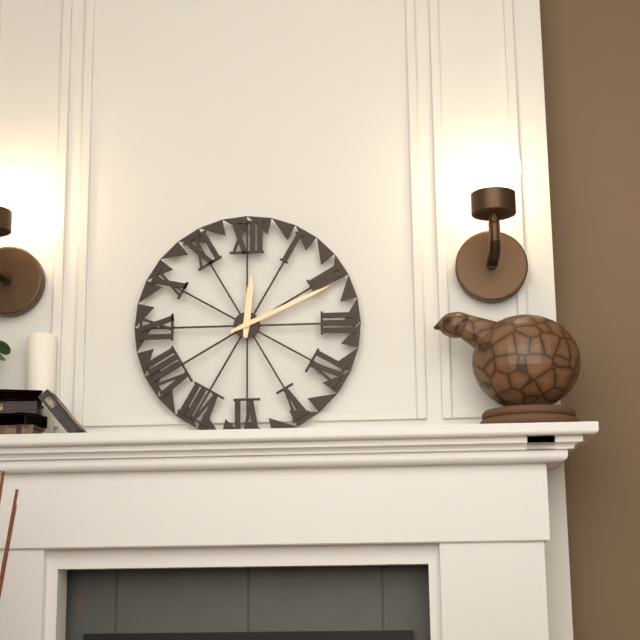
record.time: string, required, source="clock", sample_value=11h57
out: 12h11
